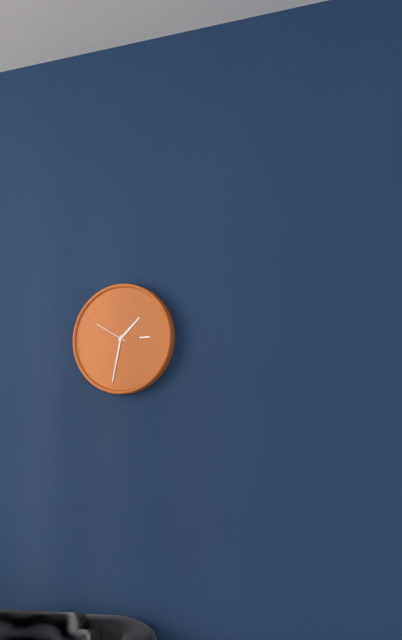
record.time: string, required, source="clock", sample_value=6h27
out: 1h32
